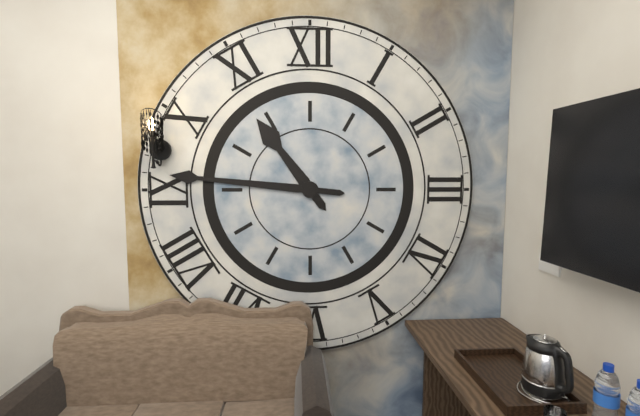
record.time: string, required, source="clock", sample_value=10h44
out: 10h46
